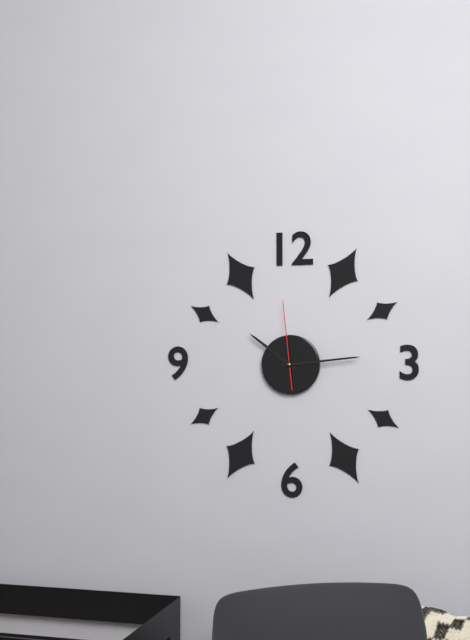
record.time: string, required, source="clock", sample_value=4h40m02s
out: 10h14m59s
